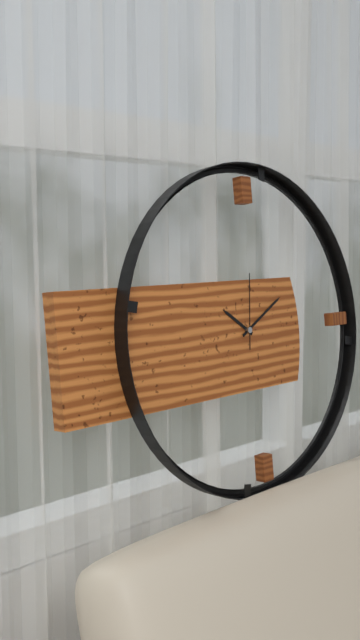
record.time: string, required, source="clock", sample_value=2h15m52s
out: 10h10m01s
